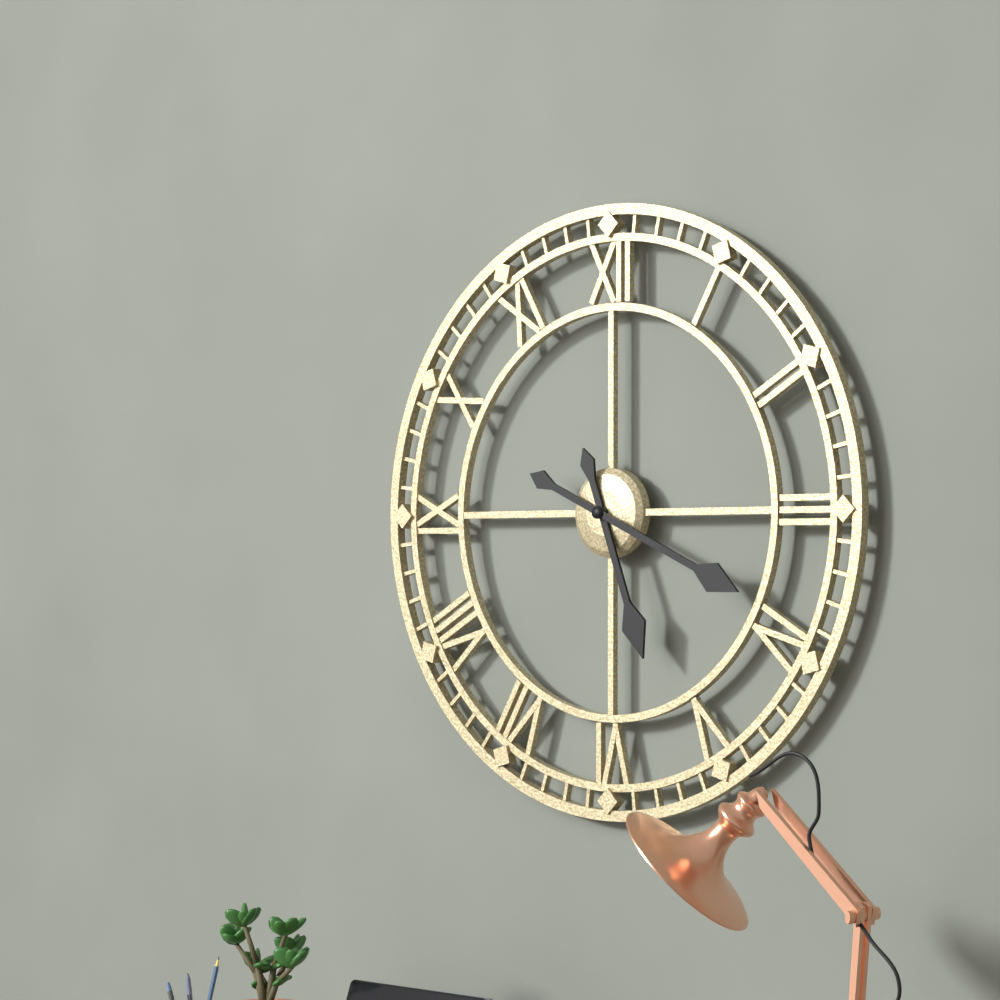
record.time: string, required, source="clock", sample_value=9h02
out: 5h19
